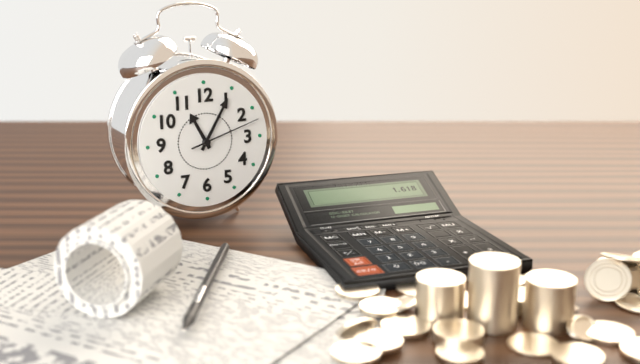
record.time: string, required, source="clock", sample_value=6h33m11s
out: 11h05m12s
